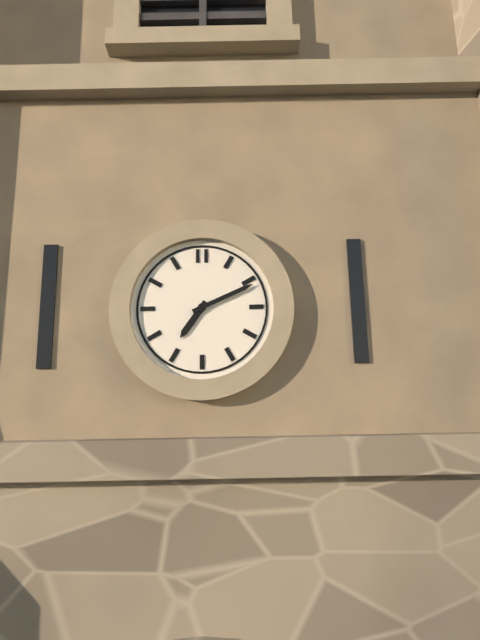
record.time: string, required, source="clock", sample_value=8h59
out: 7h11
